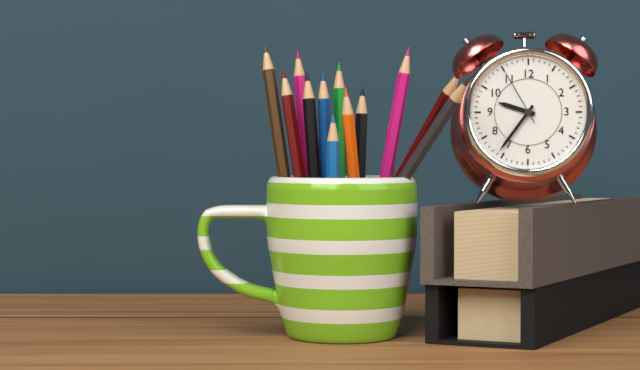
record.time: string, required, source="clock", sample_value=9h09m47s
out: 9h36m55s
